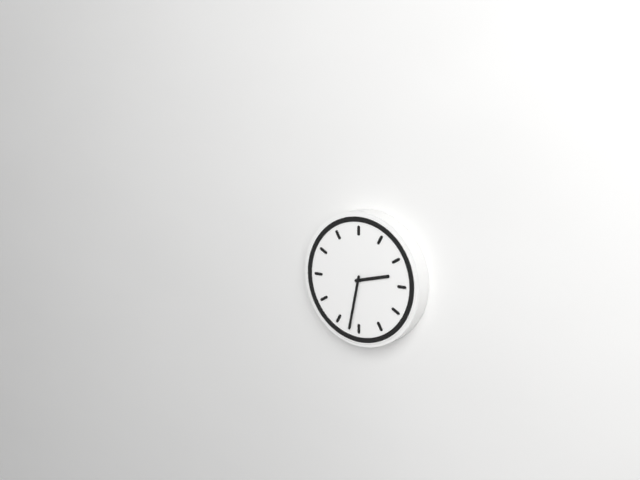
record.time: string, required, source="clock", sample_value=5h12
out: 2h32
